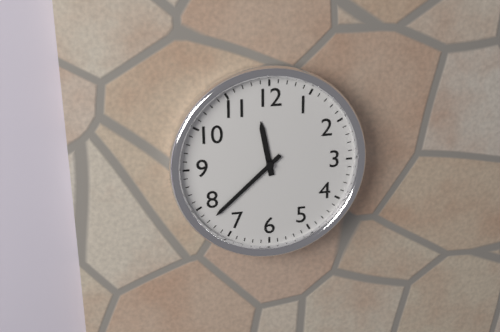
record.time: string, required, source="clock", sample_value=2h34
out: 11h38
